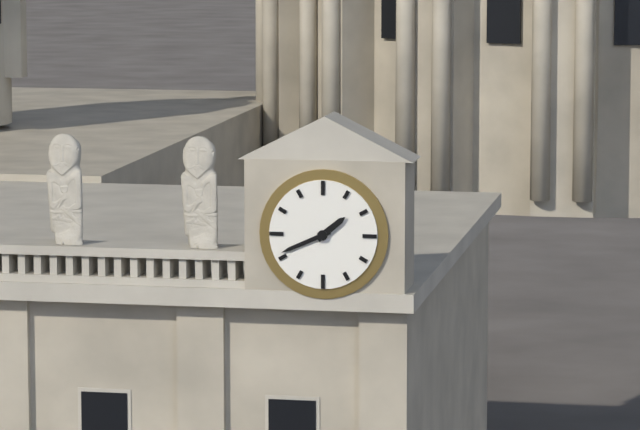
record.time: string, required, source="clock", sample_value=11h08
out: 1h41
